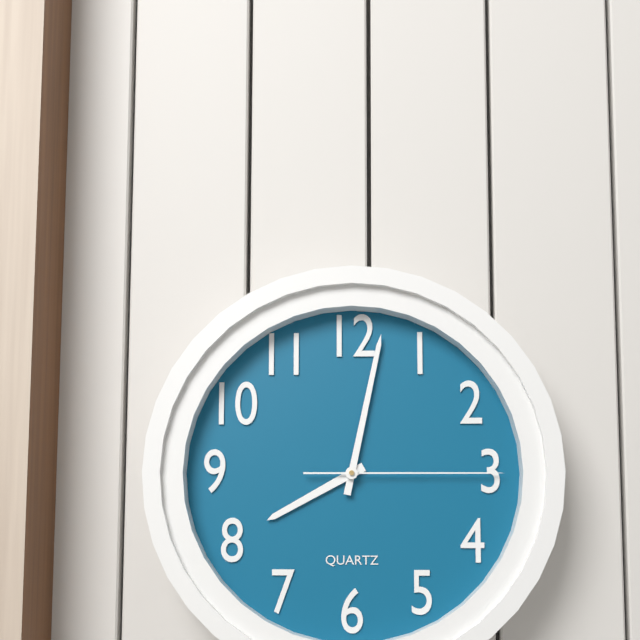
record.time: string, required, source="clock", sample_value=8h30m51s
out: 8h02m15s
